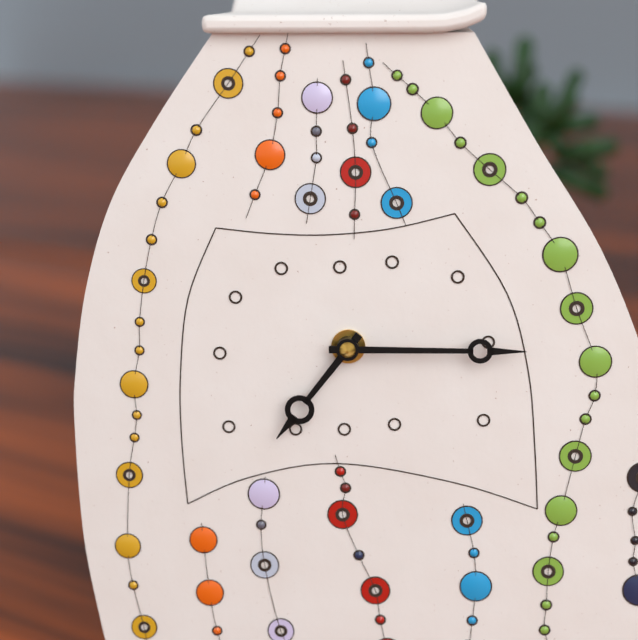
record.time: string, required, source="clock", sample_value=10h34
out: 7h15
